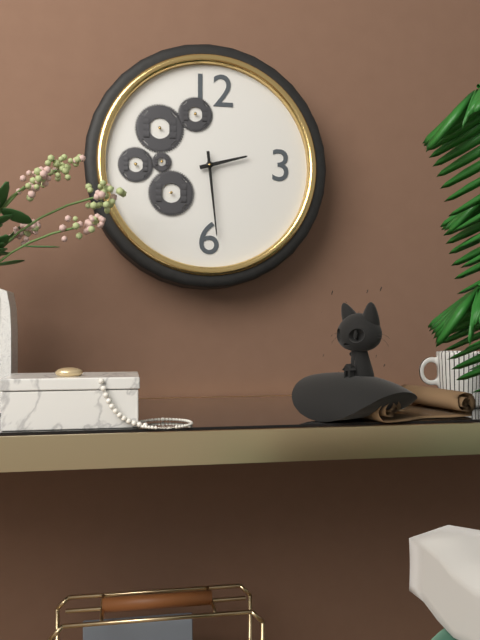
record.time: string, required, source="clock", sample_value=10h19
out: 2h29
